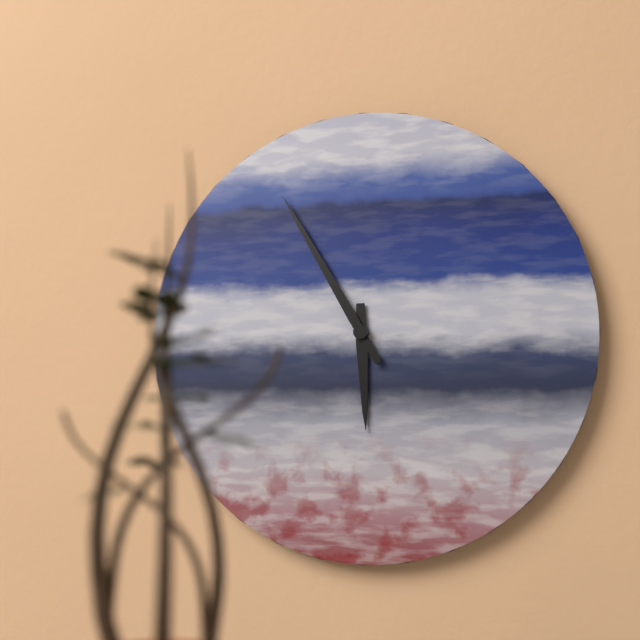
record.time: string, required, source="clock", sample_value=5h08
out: 5h55
